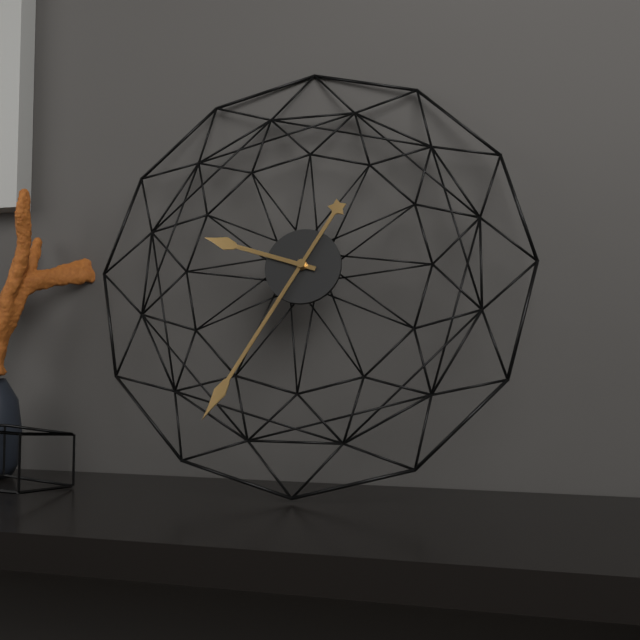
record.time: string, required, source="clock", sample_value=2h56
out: 9h35
